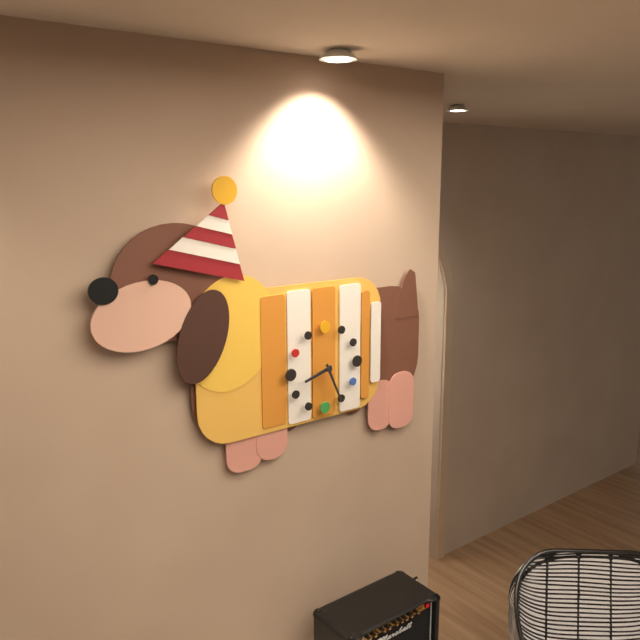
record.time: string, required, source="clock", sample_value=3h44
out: 8h26
